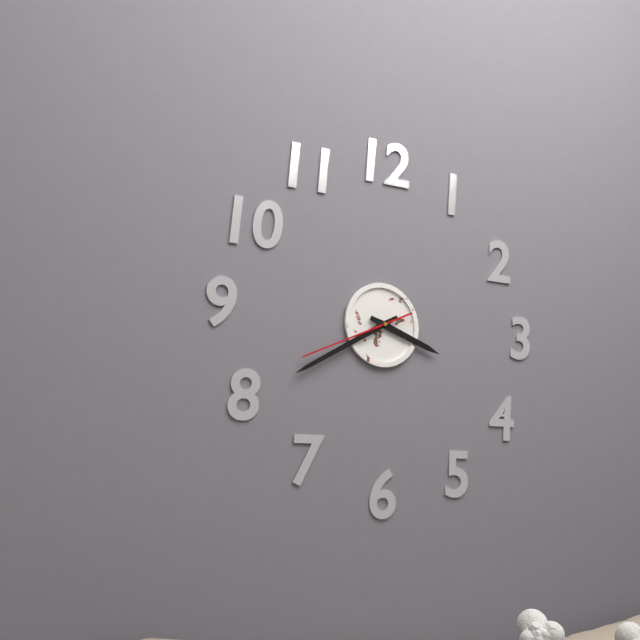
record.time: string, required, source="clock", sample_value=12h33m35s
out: 3h40m41s
